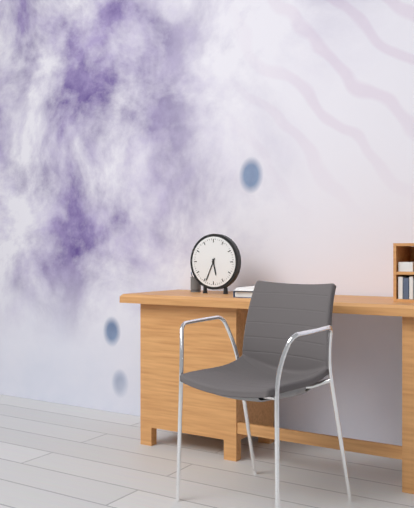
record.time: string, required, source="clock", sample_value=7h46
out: 5h34
